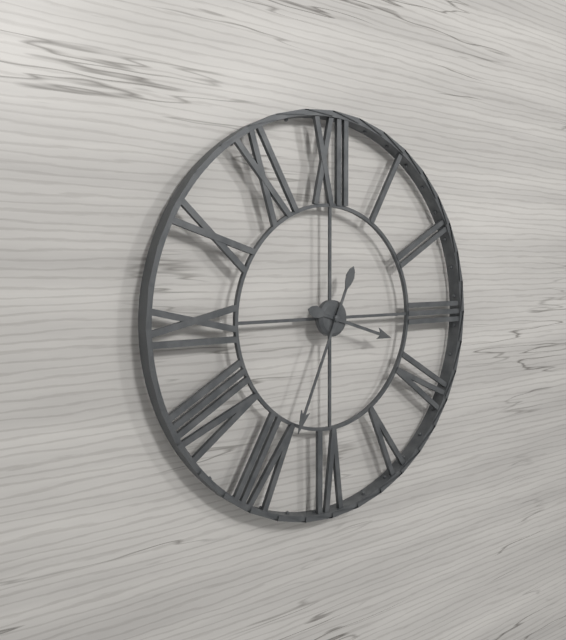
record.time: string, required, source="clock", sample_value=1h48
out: 3h34
